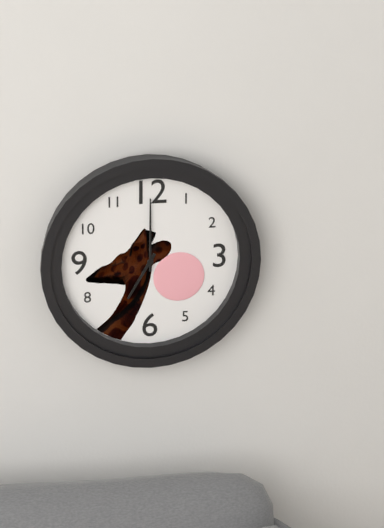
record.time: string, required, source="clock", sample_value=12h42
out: 7h00
